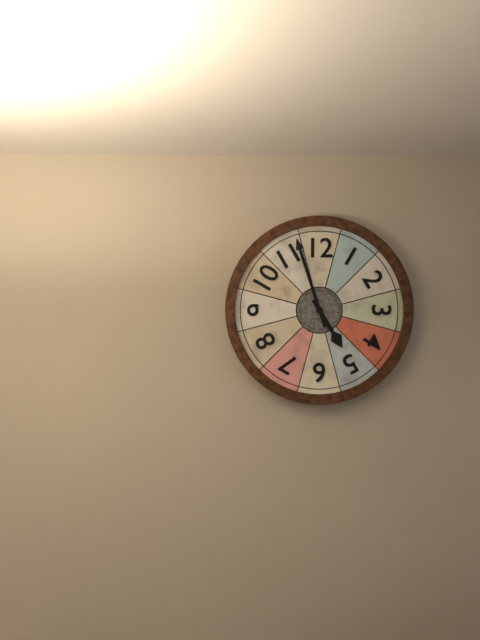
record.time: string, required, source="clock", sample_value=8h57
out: 4h57
